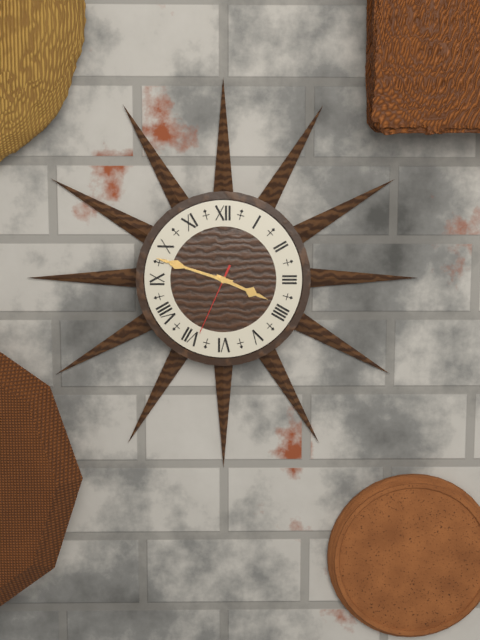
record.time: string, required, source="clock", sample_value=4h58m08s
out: 3h48m34s
